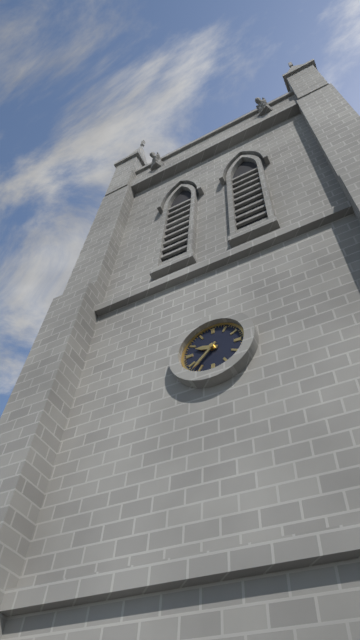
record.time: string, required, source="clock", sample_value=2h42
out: 9h37
